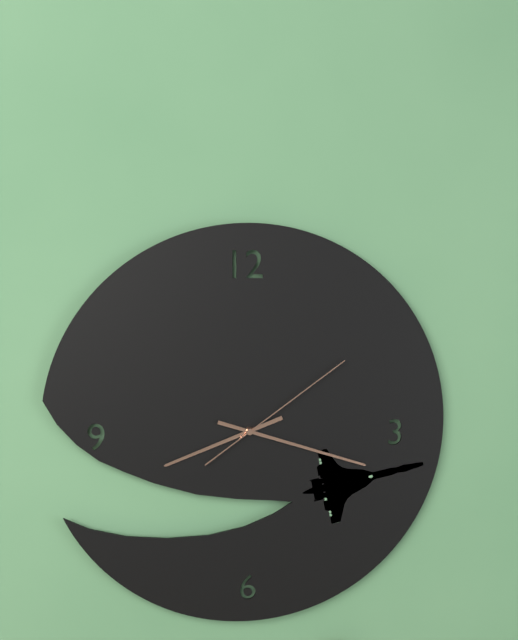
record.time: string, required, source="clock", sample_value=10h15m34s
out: 8h18m09s
